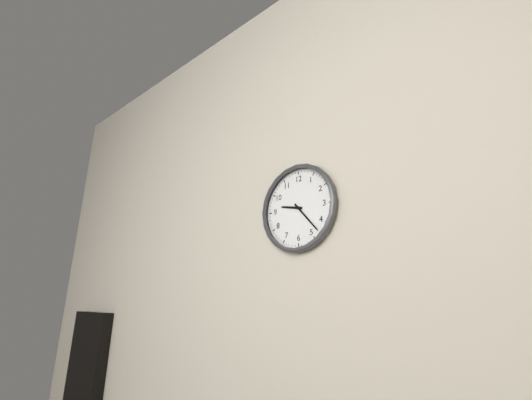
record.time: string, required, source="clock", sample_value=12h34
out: 9h23
